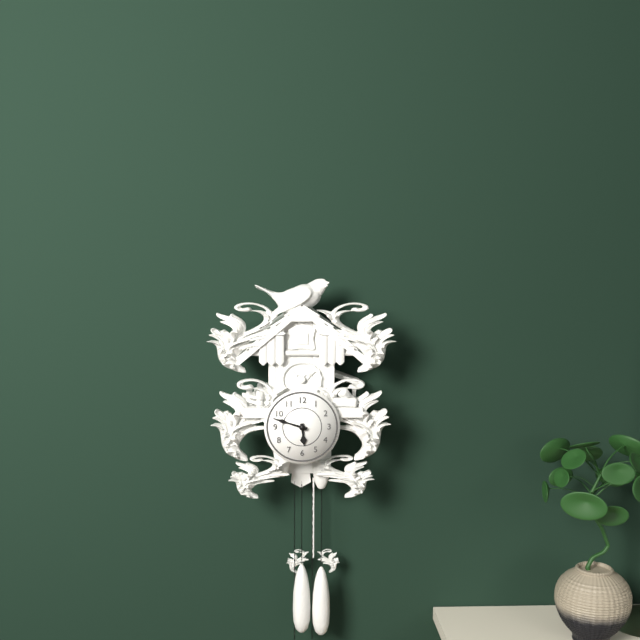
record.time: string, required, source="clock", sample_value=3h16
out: 5h48
